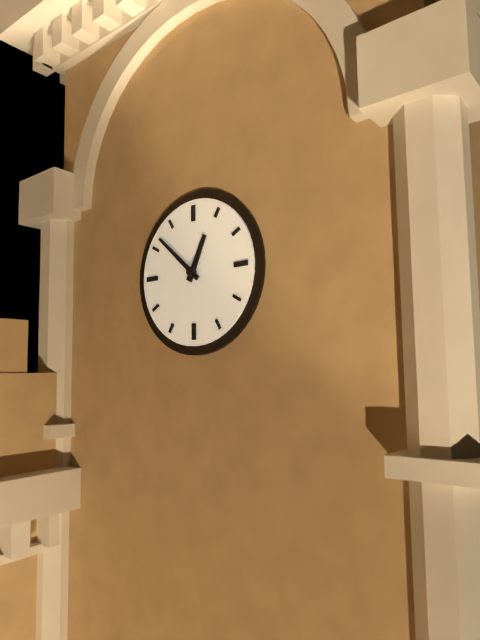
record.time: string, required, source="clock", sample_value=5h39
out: 12h52
